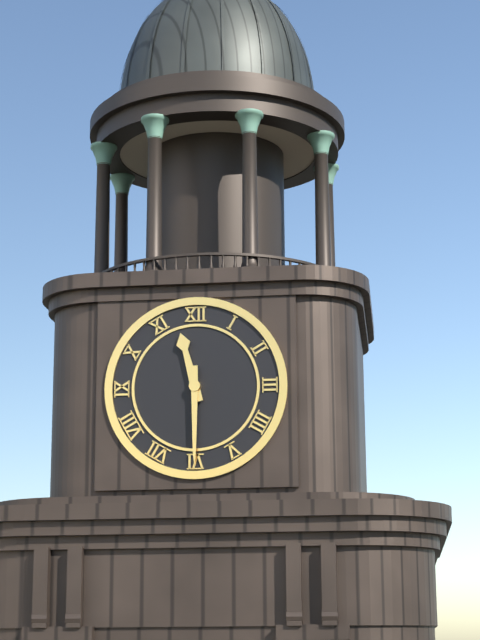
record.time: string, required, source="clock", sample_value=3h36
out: 11h30
